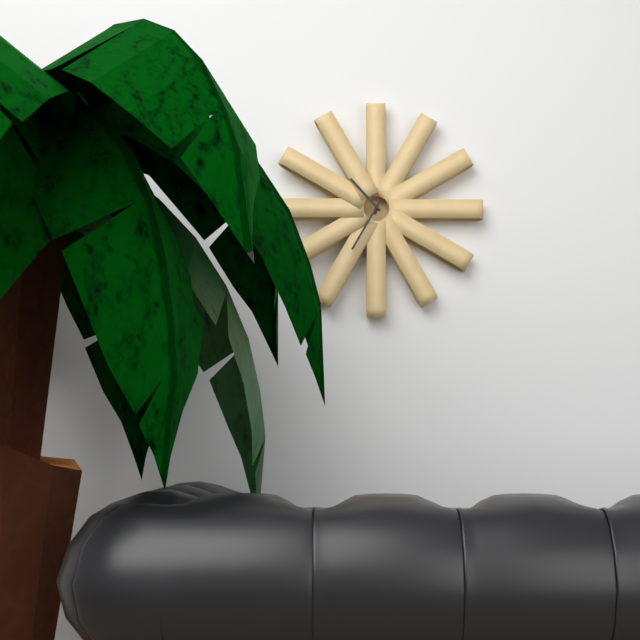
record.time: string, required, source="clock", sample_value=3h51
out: 10h35
